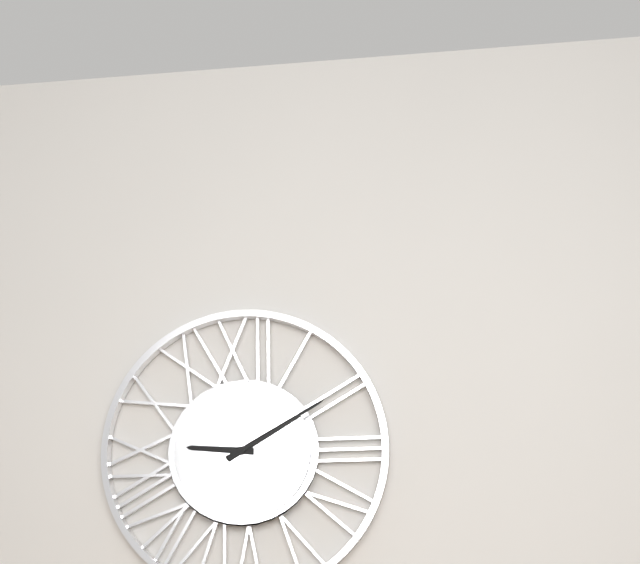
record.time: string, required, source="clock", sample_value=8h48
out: 9h10
